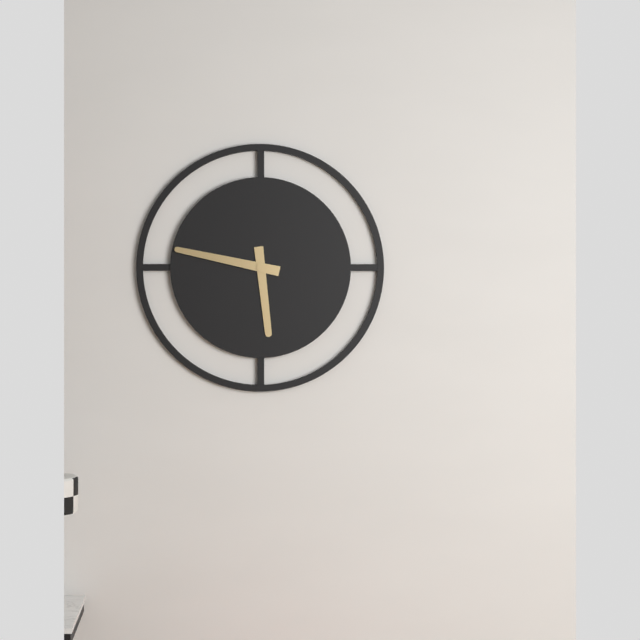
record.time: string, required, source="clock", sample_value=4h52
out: 5h47
